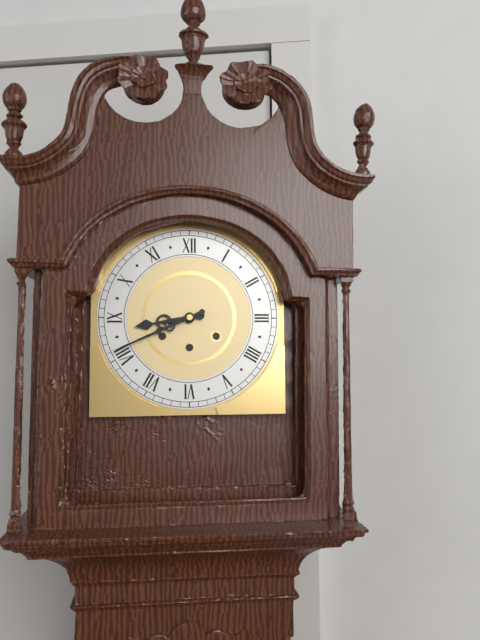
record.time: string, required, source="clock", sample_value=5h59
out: 8h41
